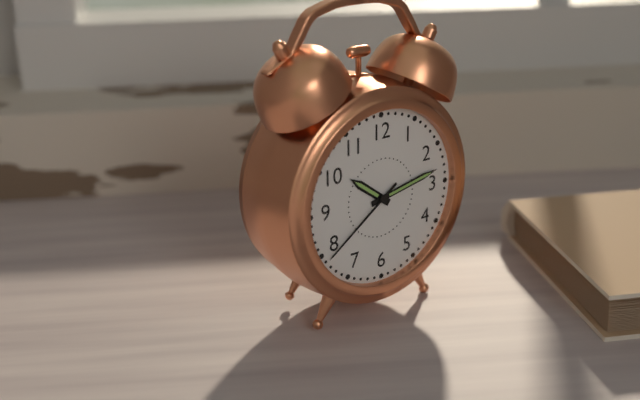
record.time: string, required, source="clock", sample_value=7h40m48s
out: 10h13m39s
